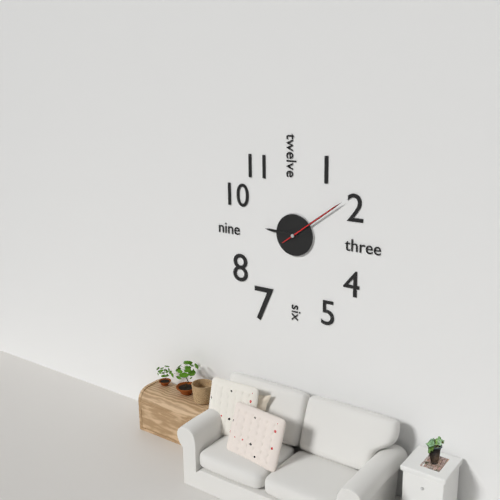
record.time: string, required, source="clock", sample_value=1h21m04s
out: 9h09m09s
